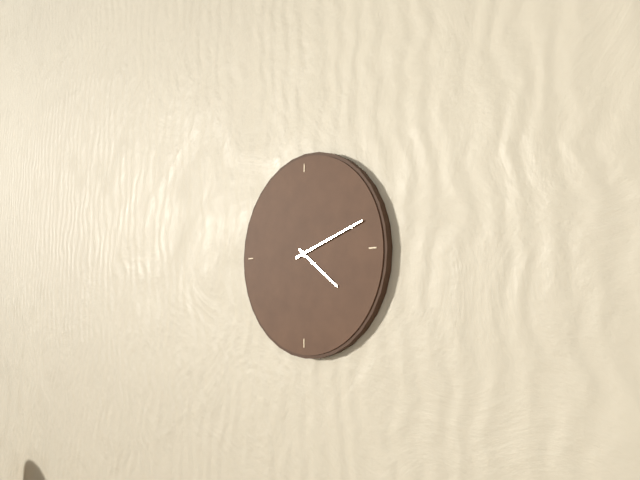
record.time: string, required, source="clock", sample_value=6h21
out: 4h12
